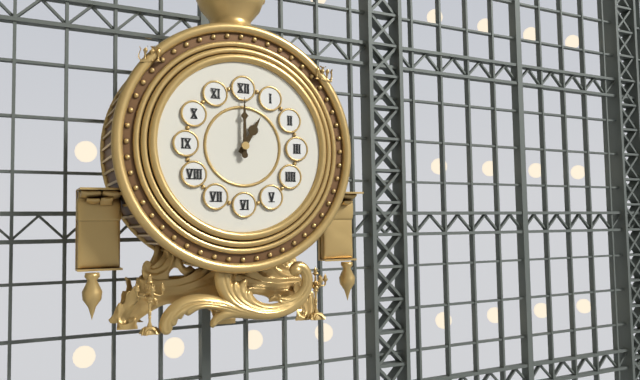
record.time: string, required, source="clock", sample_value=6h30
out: 1h00
